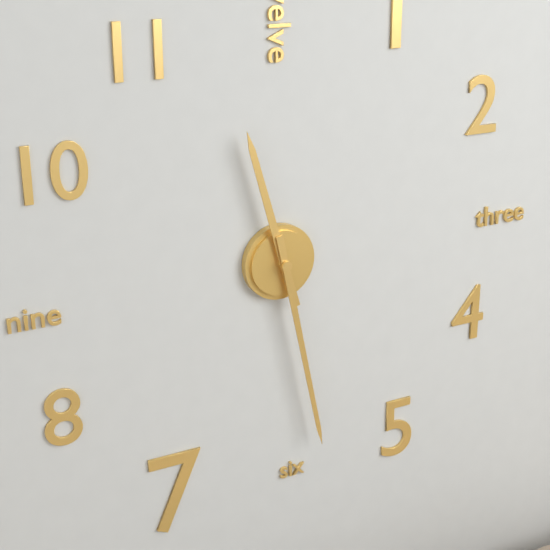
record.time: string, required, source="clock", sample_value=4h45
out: 11h28
